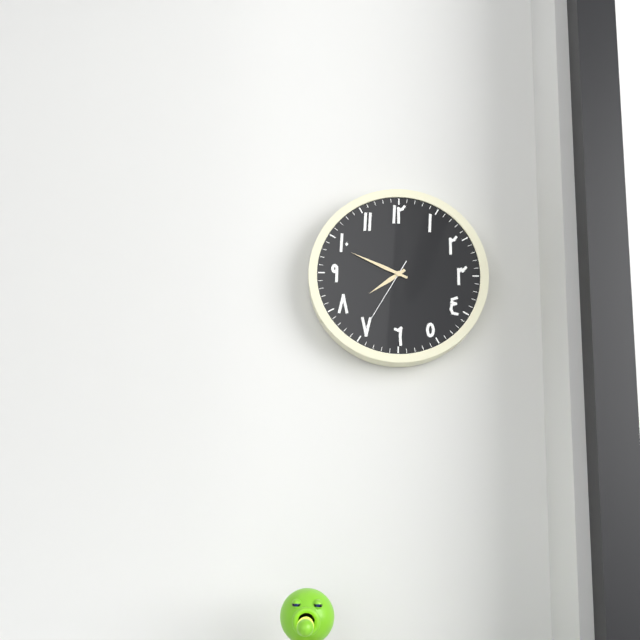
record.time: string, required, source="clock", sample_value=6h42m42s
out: 7h49m35s
